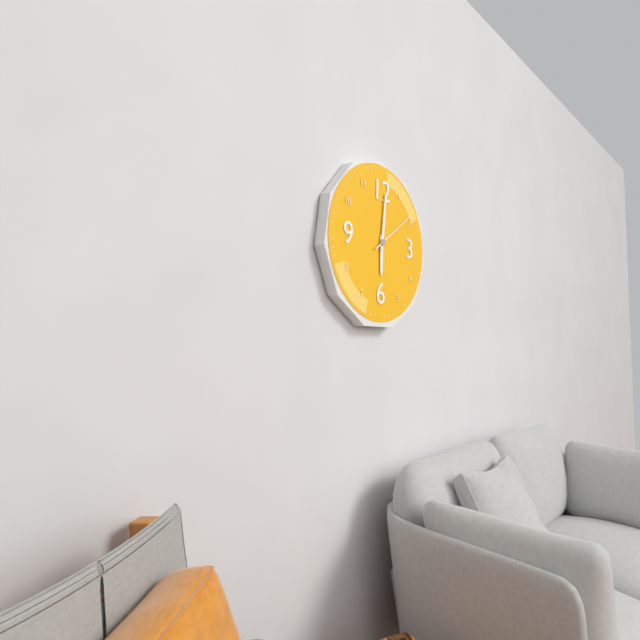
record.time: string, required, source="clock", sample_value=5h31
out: 6h01
